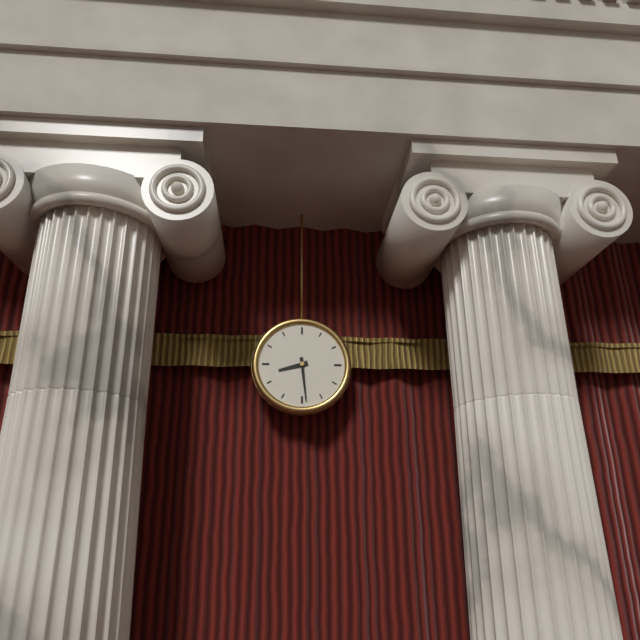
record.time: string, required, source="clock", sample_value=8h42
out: 8h29
